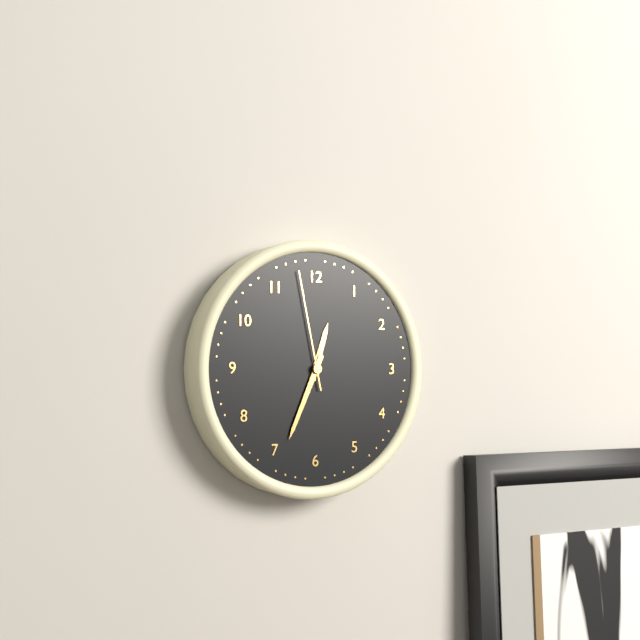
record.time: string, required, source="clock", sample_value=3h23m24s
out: 12h34m58s
